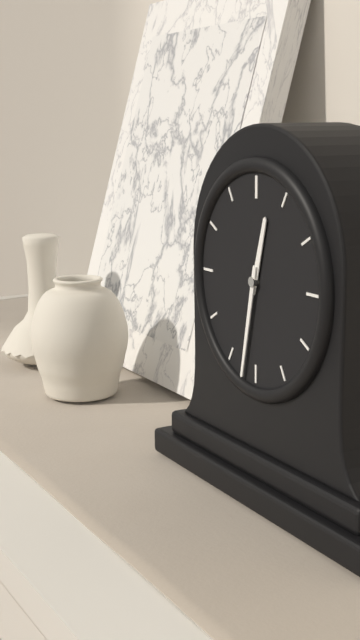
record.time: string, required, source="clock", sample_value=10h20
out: 12h32
